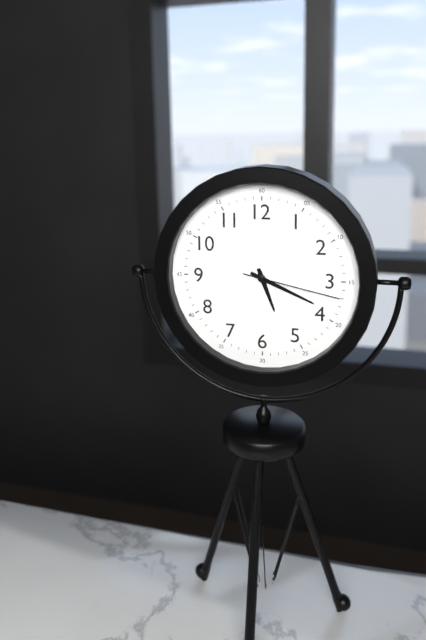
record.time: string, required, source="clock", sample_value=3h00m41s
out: 5h19m17s
